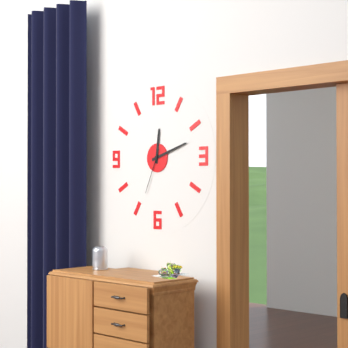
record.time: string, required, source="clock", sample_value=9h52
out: 12h12
